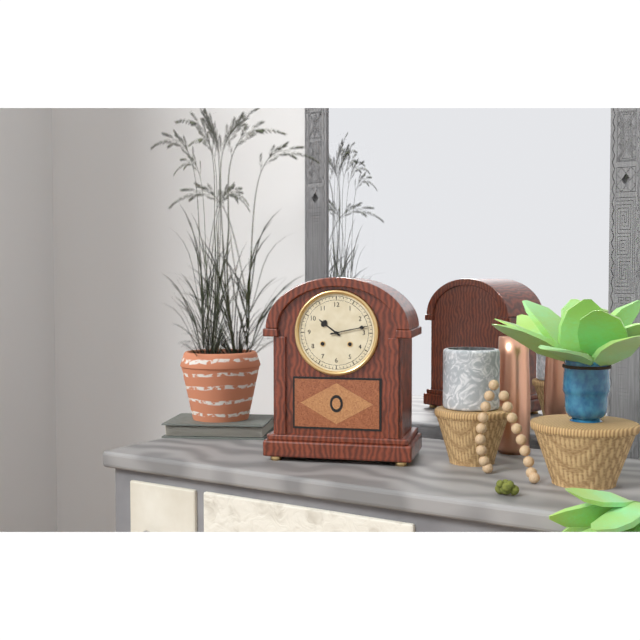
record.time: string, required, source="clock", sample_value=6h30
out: 10h13
